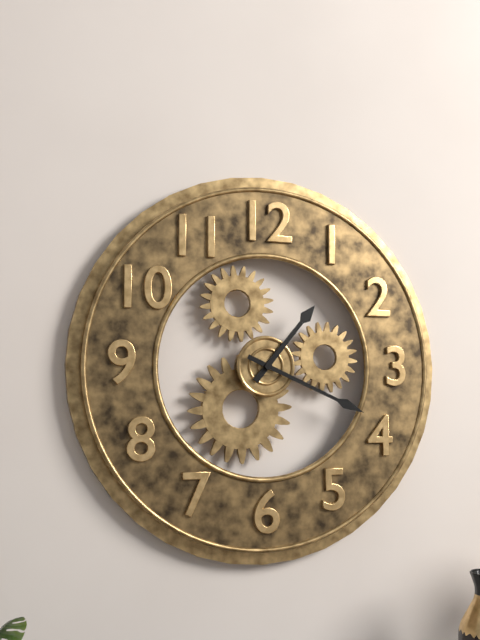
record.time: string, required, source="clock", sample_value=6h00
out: 1h19
